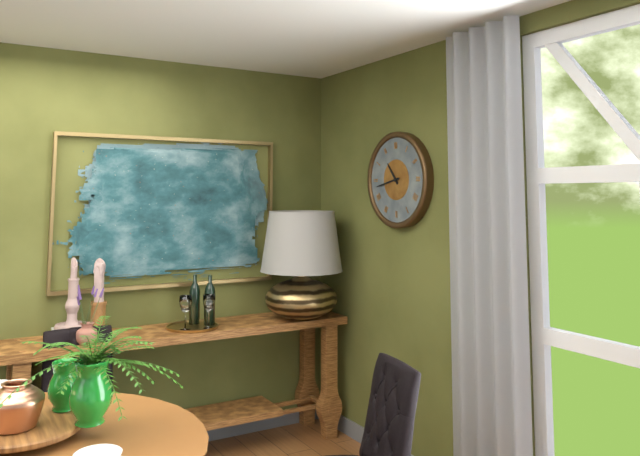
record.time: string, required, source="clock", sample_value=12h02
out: 10h43
